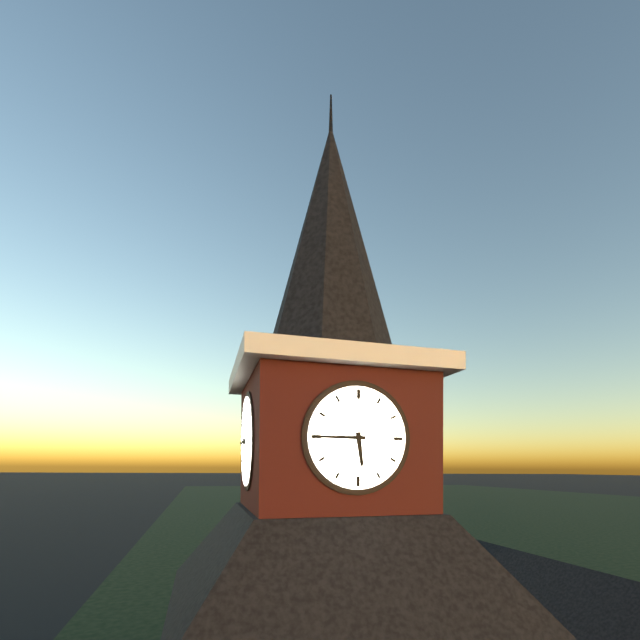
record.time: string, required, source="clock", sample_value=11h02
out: 5h45
